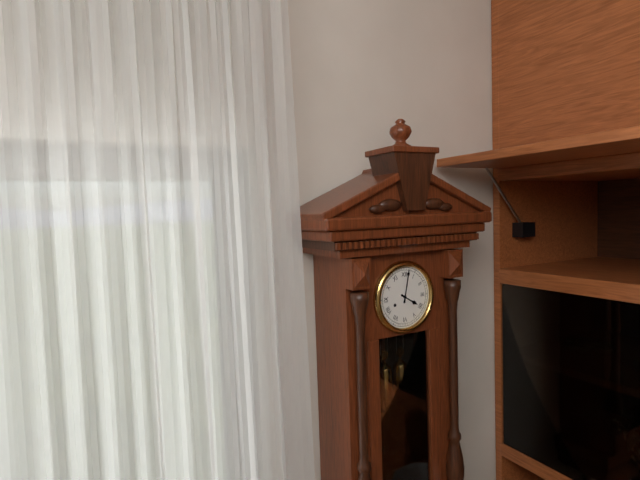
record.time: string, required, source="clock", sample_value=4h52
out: 4h02
